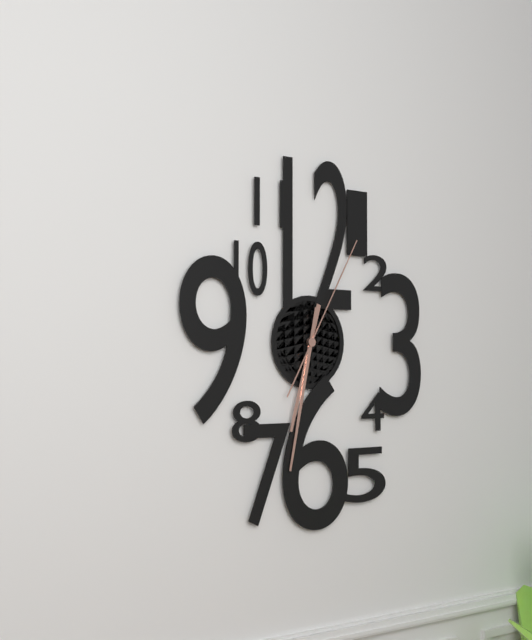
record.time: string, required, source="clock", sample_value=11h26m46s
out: 6h32m05s
